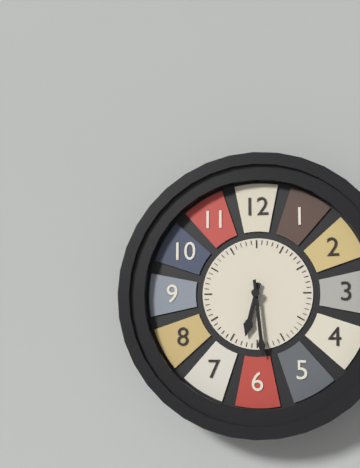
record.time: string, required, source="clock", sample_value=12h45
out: 6h29
